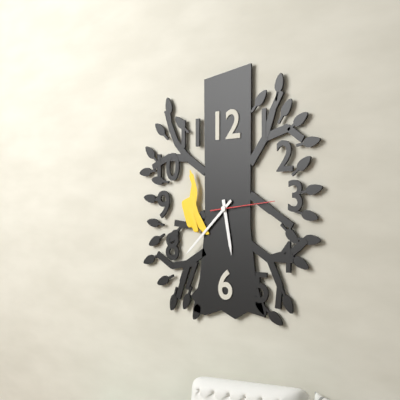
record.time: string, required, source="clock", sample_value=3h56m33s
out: 5h38m14s
